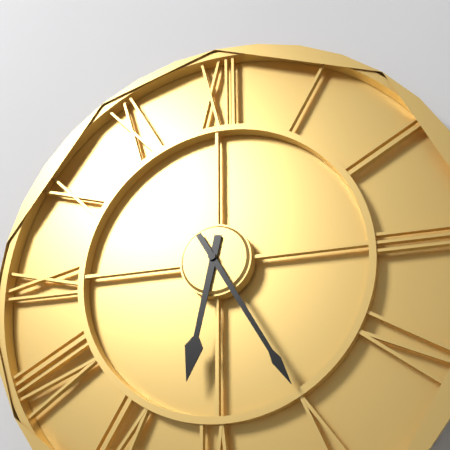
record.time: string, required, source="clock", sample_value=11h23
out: 6h25
